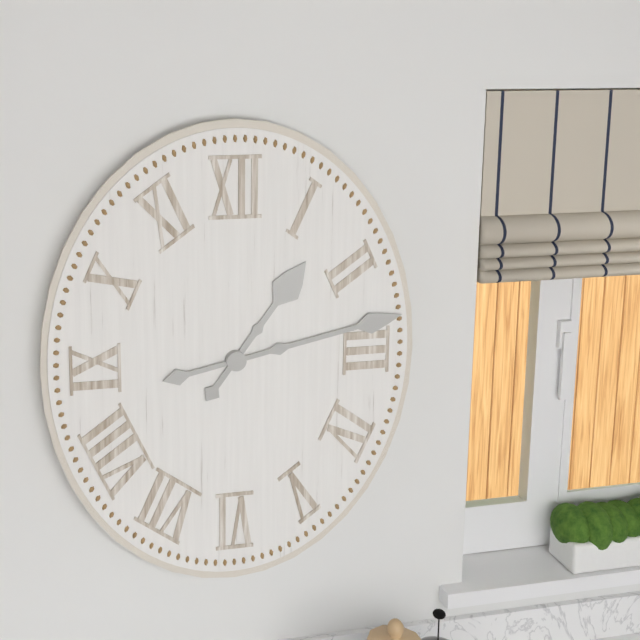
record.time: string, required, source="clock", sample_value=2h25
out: 1h13
